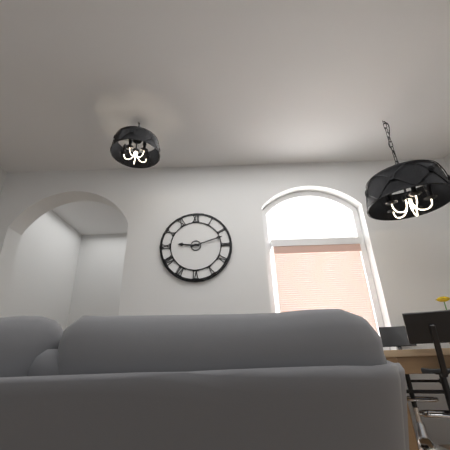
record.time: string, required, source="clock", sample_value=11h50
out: 9h12
